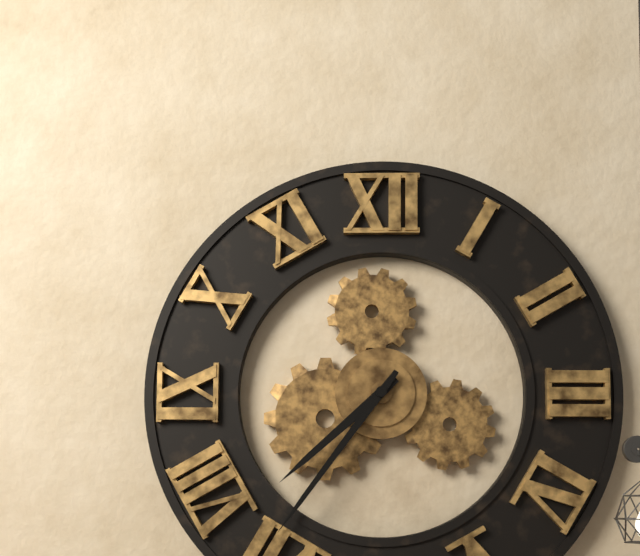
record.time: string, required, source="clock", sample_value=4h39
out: 7h36
